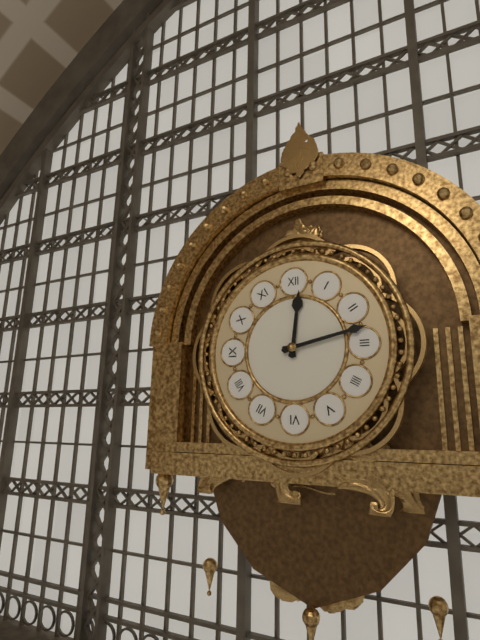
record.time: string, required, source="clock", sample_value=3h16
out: 12h13
